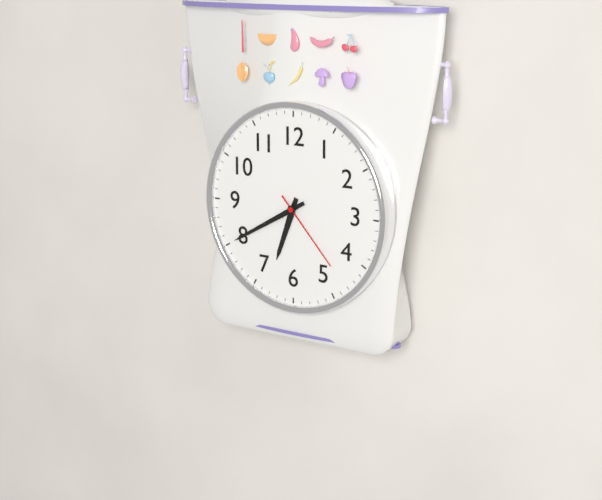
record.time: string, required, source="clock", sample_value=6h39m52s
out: 6h40m23s
